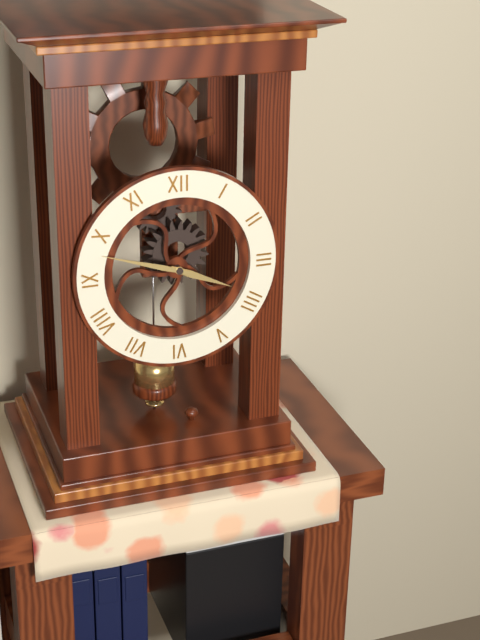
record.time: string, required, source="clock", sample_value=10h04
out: 3h48
